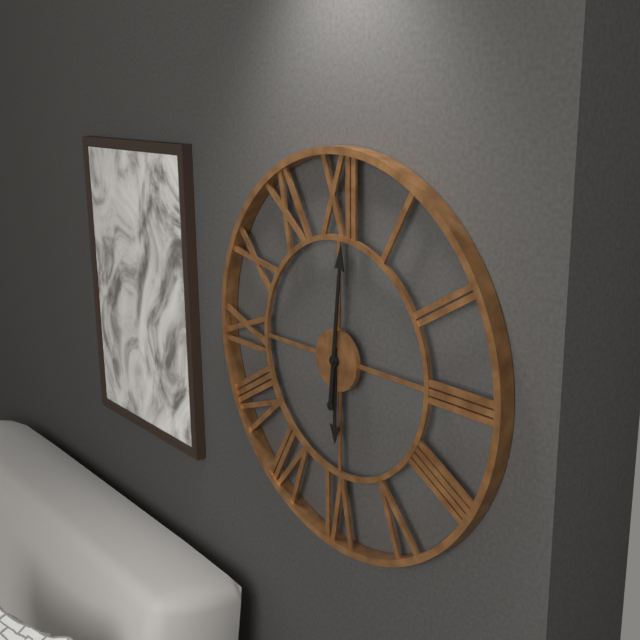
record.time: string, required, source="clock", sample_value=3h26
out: 6h01
